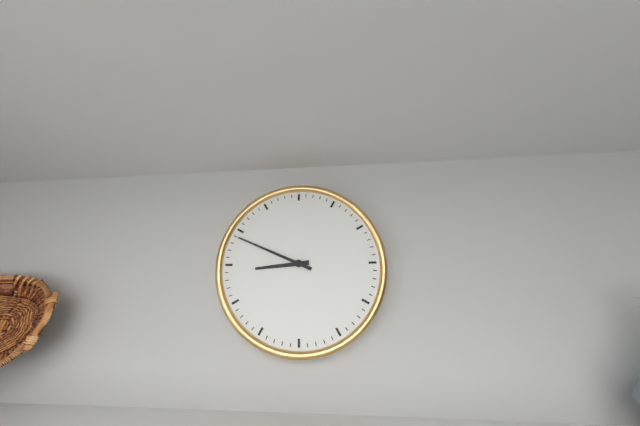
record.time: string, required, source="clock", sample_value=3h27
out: 8h49
